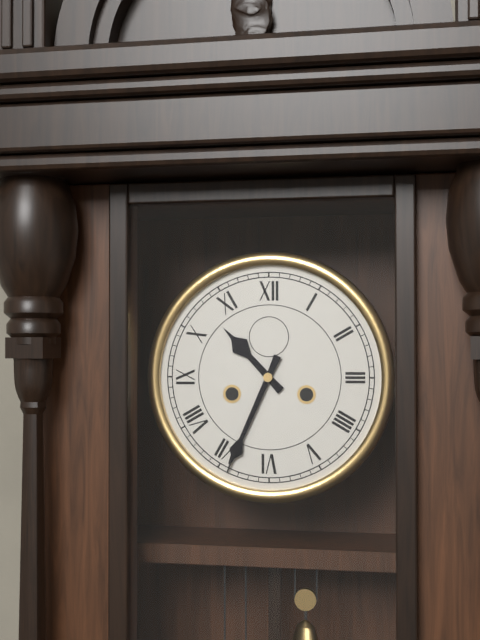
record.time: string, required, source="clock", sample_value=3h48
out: 10h34
